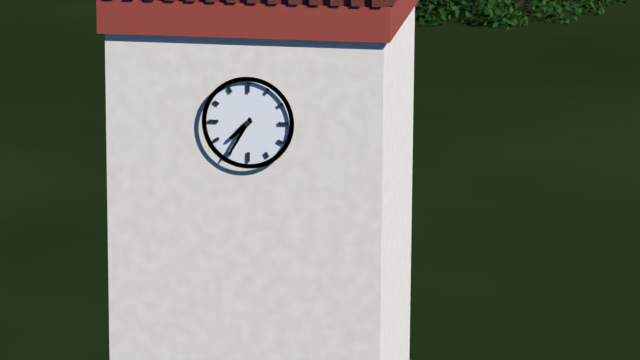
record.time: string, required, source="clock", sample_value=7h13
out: 7h35
